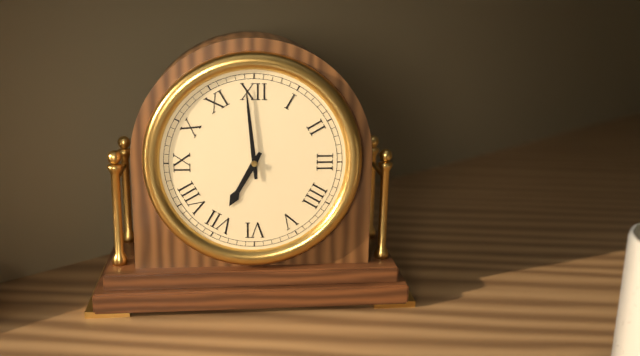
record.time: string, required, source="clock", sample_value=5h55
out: 6h59
